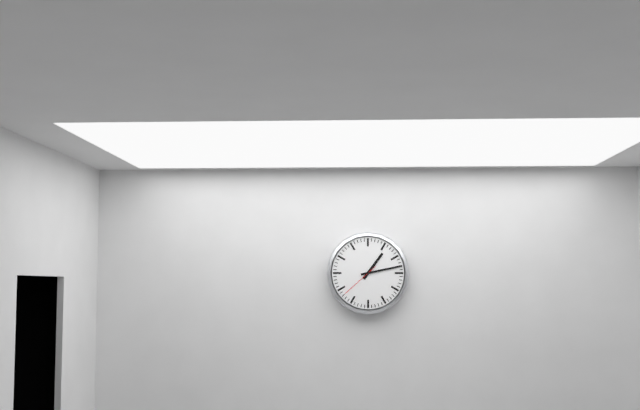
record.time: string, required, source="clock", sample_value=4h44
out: 1h13
